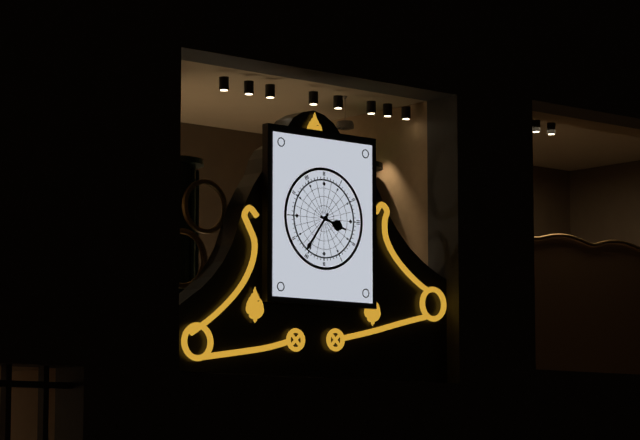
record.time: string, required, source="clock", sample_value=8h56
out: 3h36
